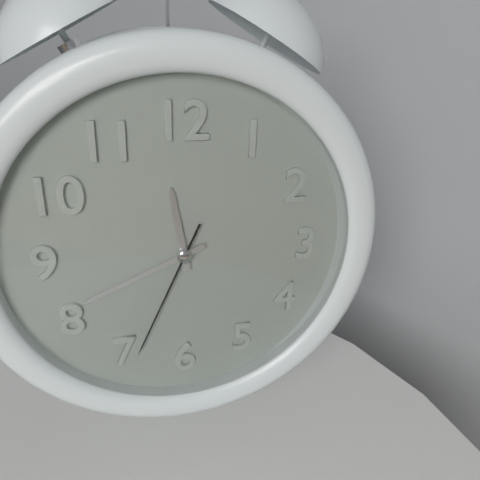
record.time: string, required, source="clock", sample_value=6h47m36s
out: 11h41m34s
